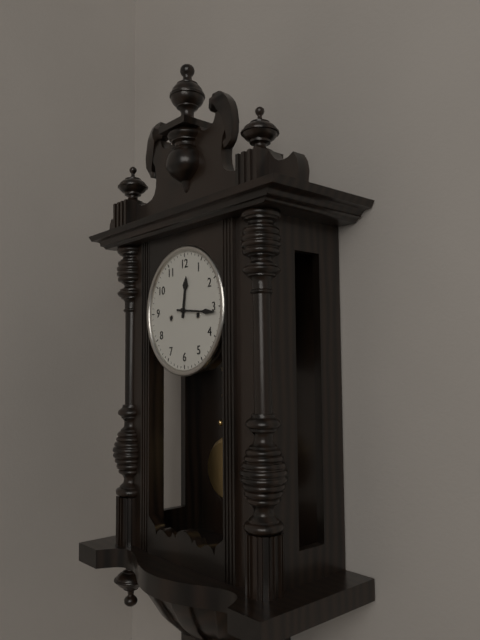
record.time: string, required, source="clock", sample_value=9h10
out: 12h16
